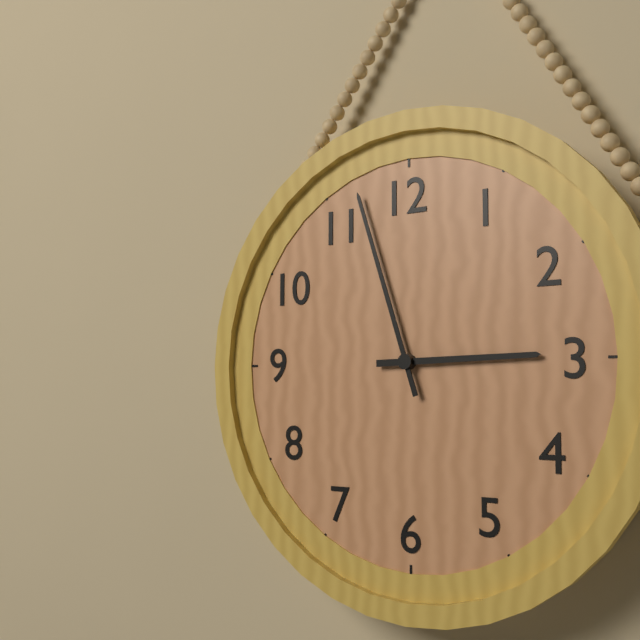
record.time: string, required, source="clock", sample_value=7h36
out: 2h57
